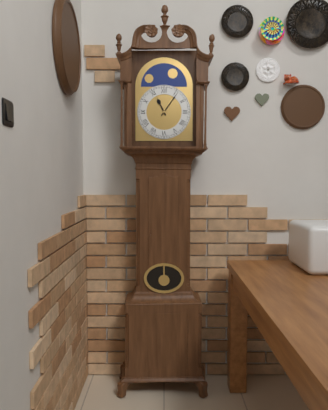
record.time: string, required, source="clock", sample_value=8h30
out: 11h06
